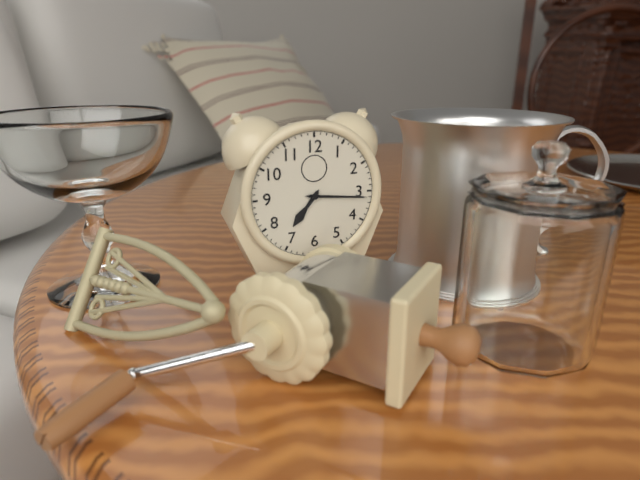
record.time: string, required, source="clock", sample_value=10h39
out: 7h16
